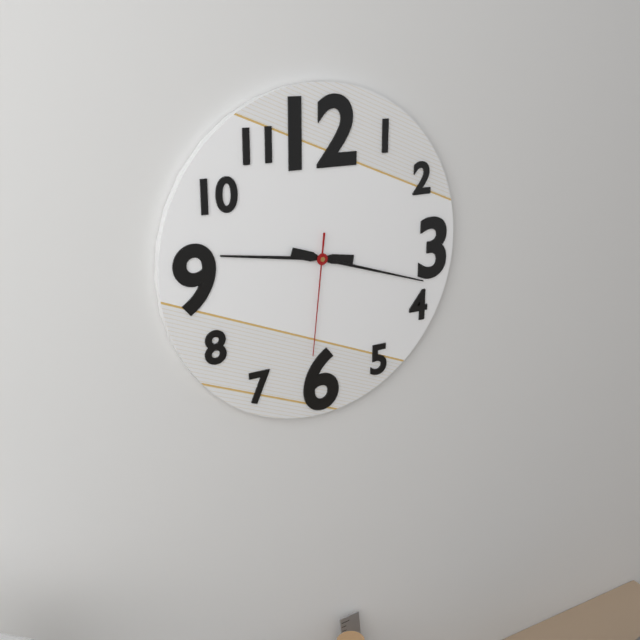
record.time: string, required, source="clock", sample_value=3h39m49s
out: 9h18m31s
